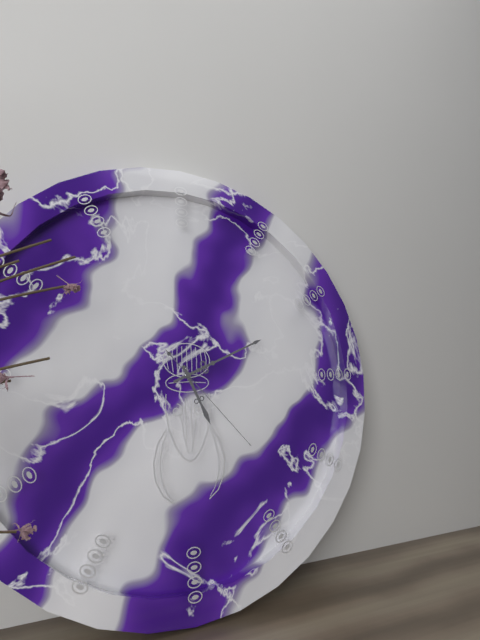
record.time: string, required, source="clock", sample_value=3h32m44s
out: 5h11m23s
